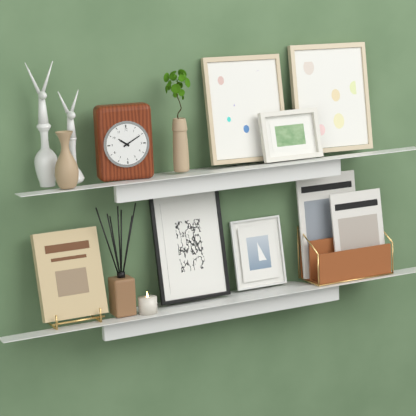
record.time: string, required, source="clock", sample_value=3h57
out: 10h10
